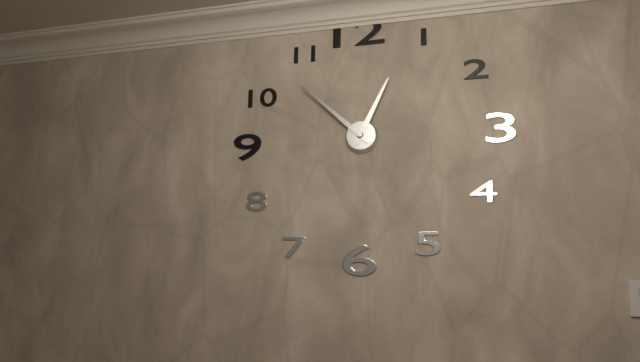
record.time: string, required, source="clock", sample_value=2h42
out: 12h52
